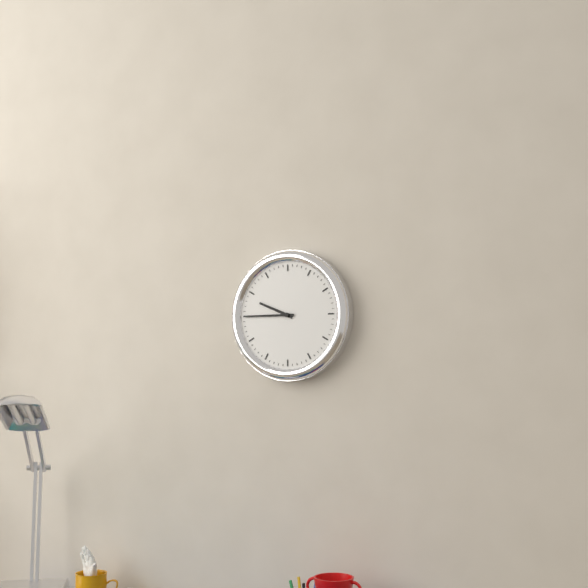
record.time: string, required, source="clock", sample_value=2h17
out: 9h45
